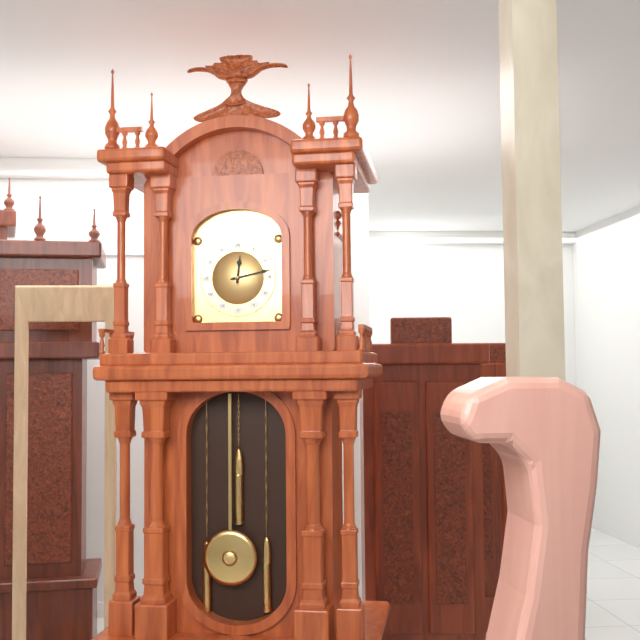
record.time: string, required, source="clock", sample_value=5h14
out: 12h13
